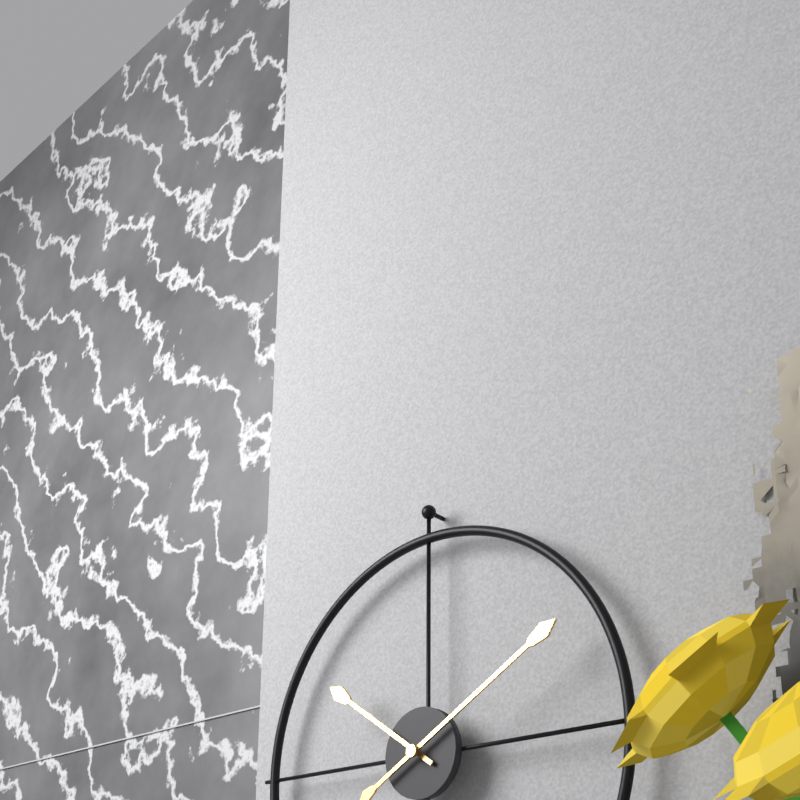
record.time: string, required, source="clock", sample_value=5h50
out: 10h10
